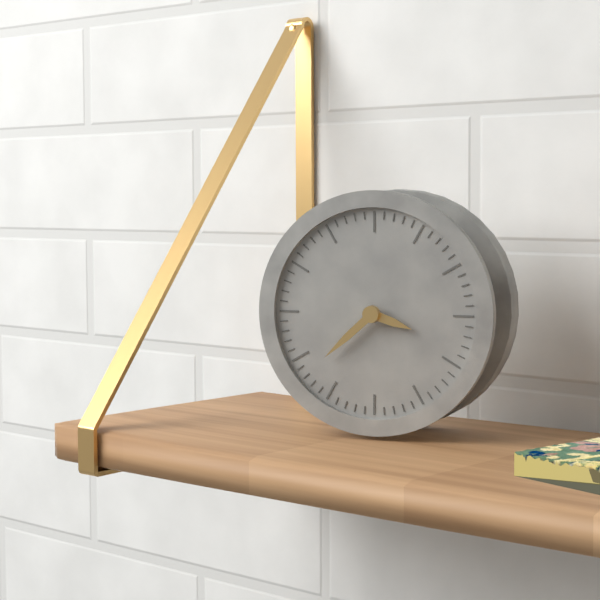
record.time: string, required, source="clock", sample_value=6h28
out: 3h38
